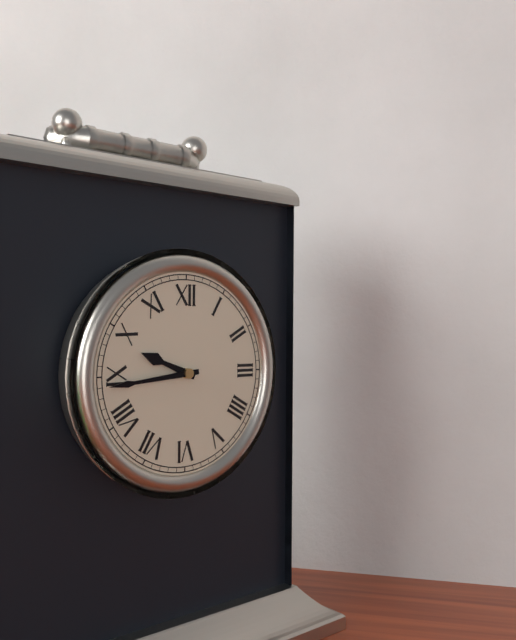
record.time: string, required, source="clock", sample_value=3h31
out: 9h44
